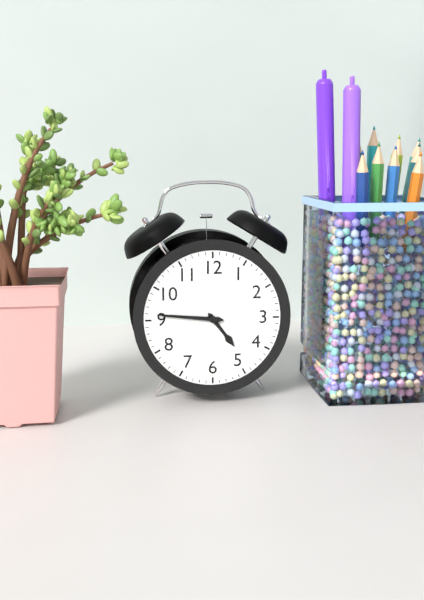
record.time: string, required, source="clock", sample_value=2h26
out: 4h46
